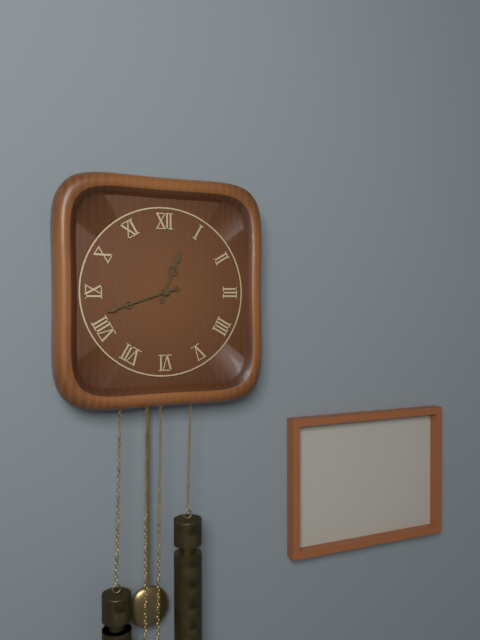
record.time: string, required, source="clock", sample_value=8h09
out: 12h42
